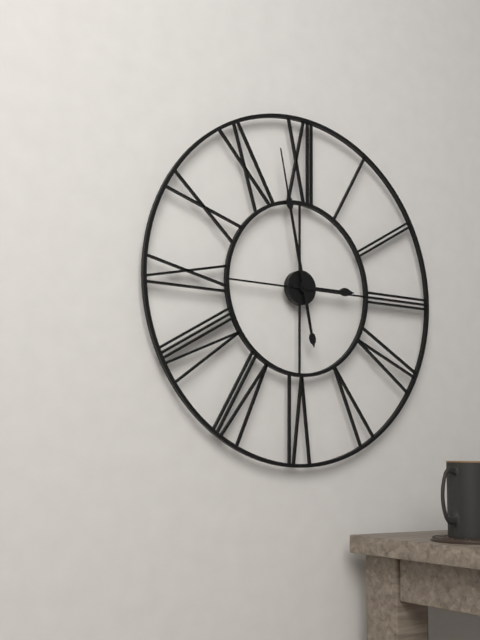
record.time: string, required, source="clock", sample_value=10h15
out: 2h58
